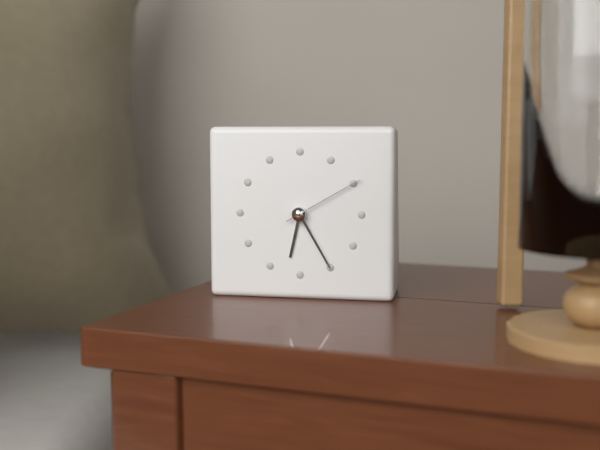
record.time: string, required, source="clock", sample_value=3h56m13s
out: 6h25m10s
